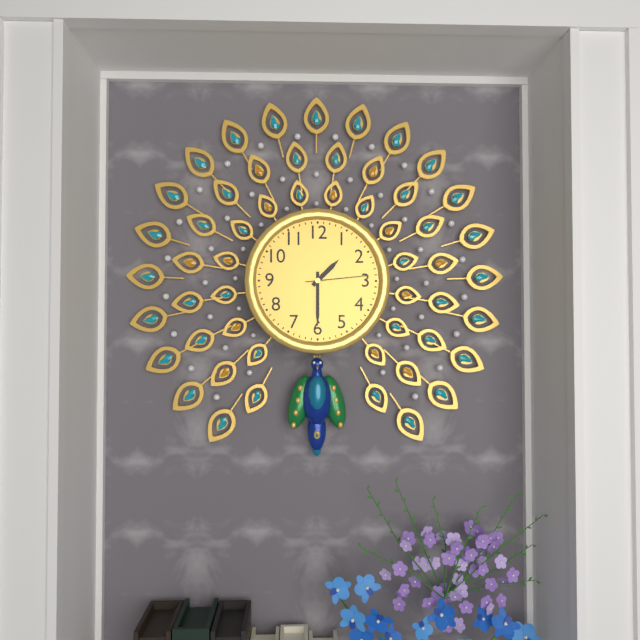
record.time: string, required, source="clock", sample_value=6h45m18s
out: 1h30m14s
